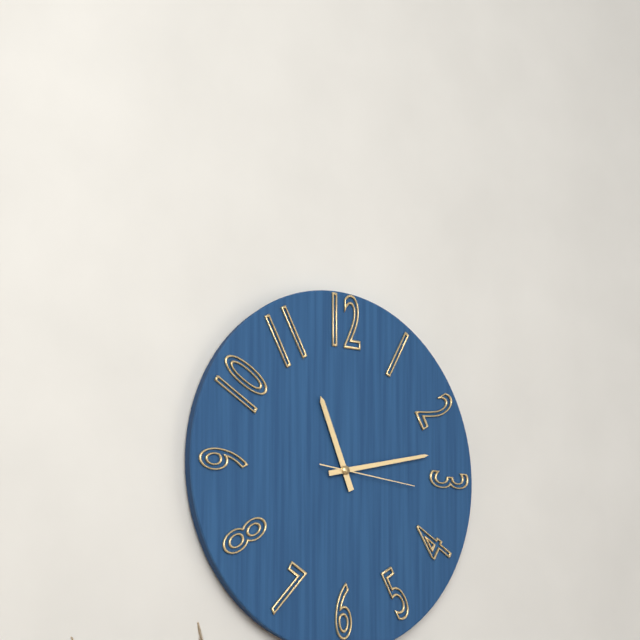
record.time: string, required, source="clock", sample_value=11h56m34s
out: 11h13m16s
